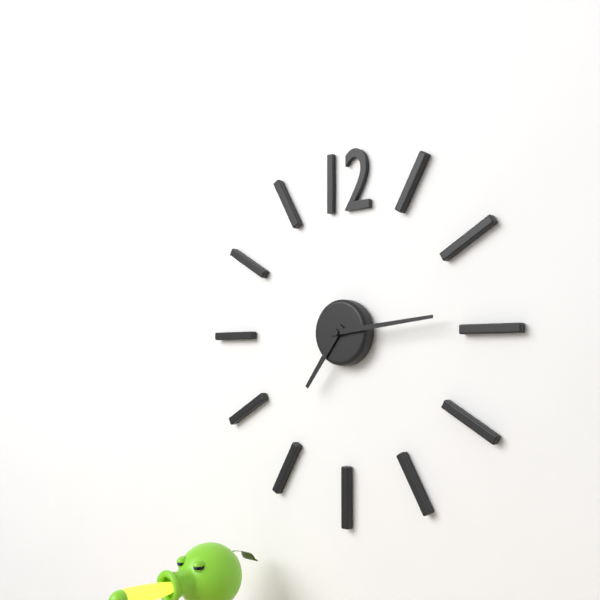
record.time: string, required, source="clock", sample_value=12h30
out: 7h14
